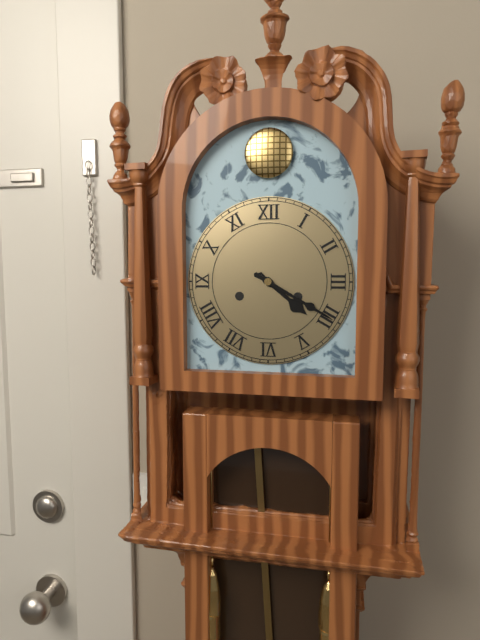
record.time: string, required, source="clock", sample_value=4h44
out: 4h20
